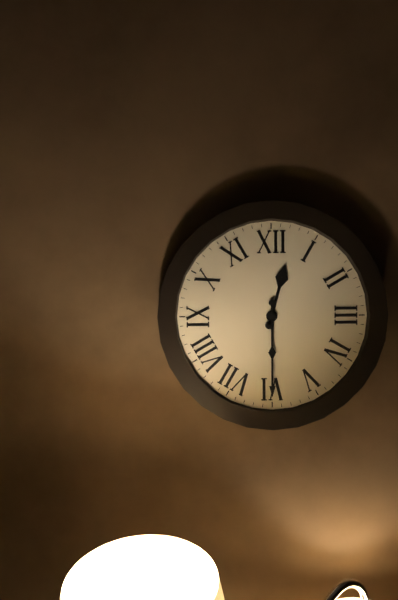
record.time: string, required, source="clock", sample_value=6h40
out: 12h30
